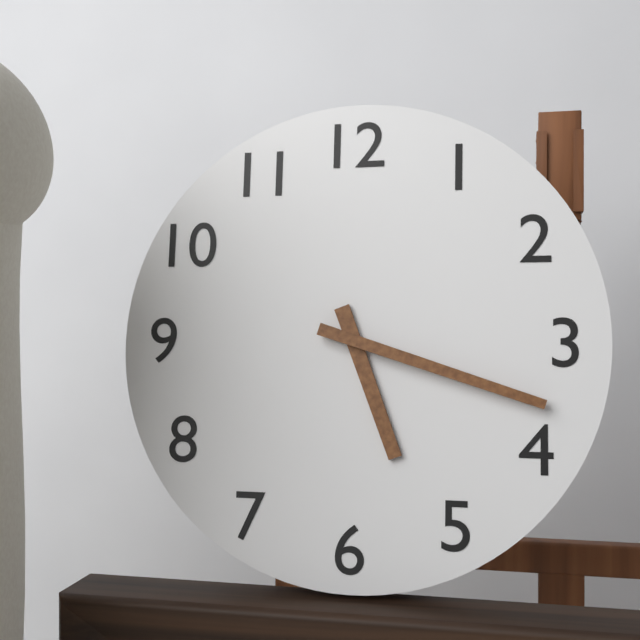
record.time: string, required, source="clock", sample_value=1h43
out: 5h18
